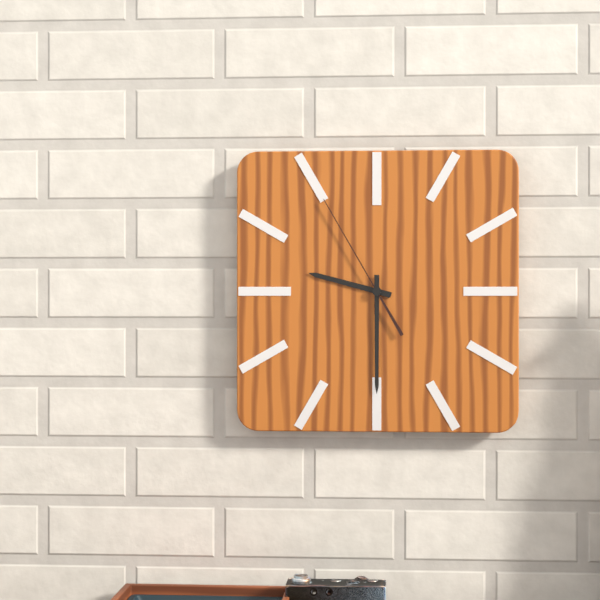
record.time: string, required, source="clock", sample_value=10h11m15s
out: 9h30m55s
